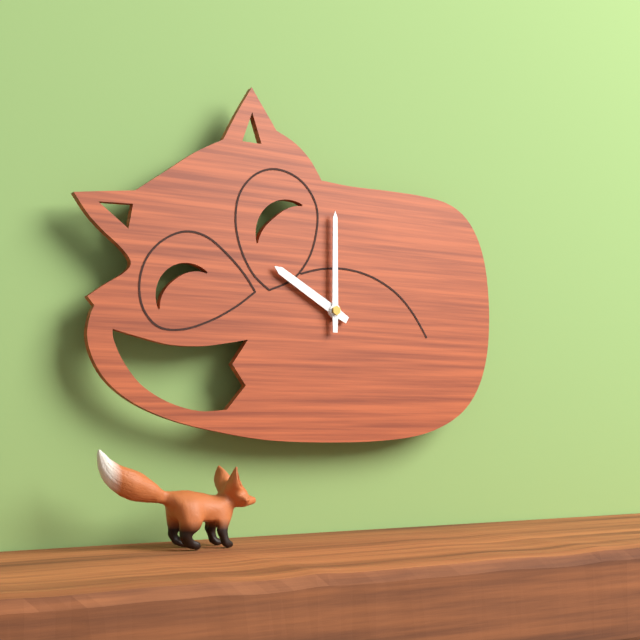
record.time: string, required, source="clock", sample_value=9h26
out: 10h00
